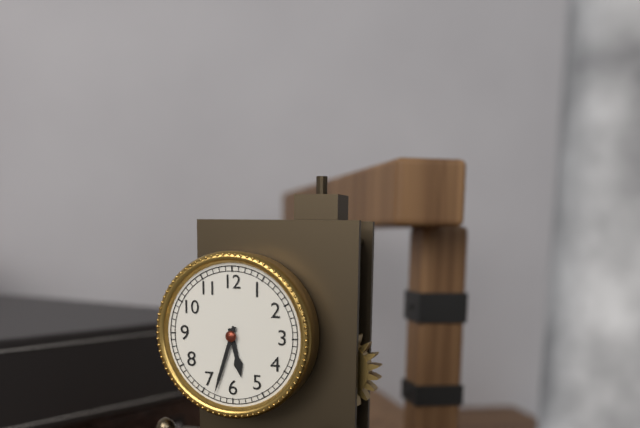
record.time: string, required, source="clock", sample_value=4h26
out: 5h33
